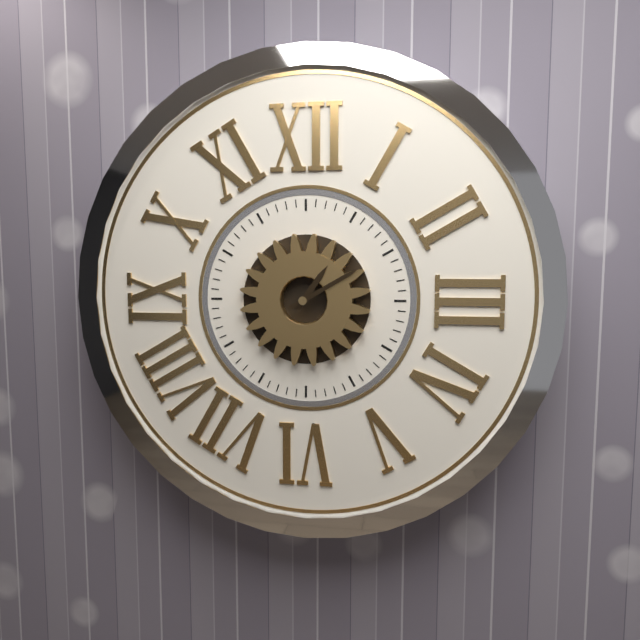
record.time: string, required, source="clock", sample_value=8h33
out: 1h10
